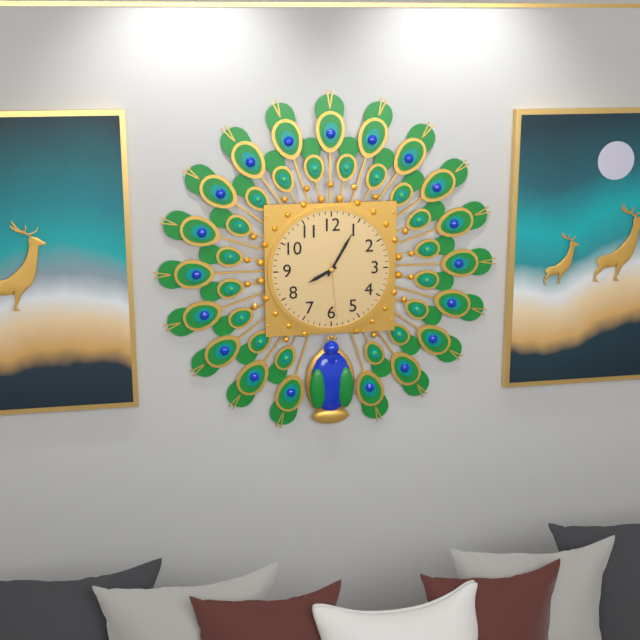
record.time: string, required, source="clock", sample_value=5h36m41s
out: 8h05m29s
